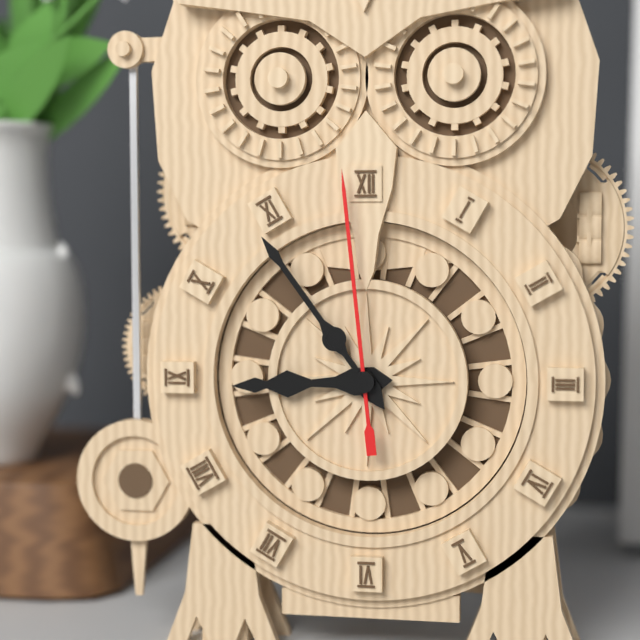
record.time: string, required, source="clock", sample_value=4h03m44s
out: 8h54m59s
